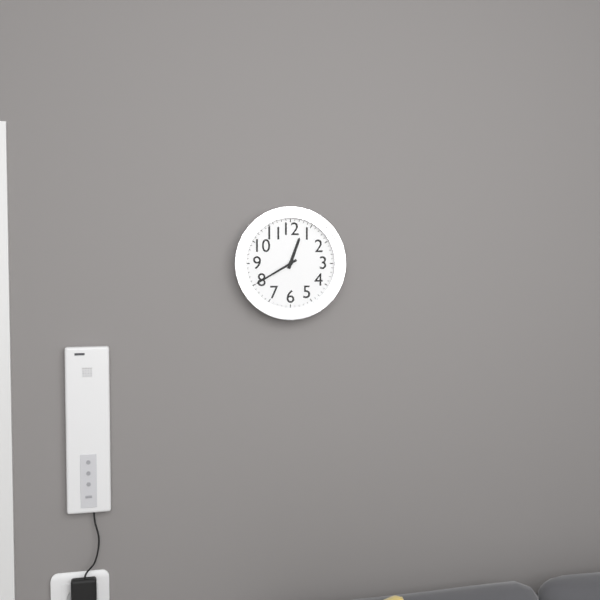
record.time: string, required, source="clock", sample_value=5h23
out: 12h40
